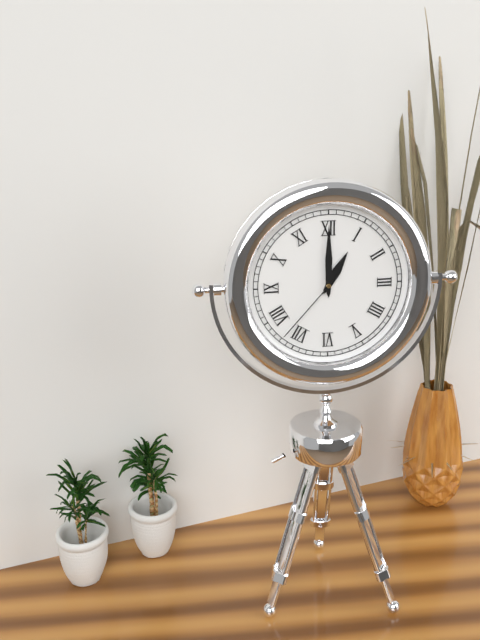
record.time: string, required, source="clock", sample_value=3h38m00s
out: 1h00m37s
